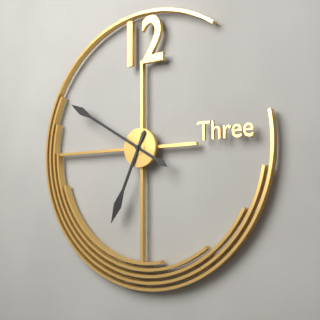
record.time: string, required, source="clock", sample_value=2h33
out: 6h50
